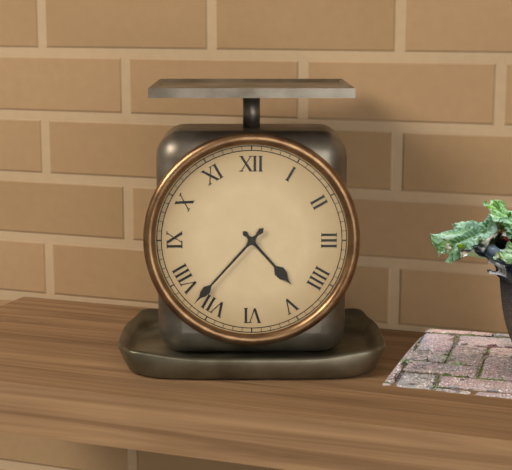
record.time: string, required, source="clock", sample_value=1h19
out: 4h37
